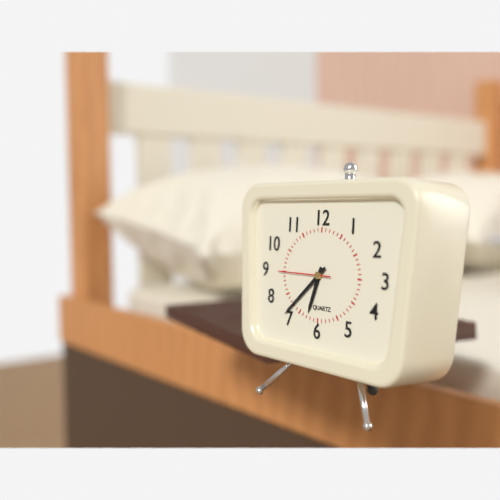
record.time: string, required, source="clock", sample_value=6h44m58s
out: 6h38m45s
